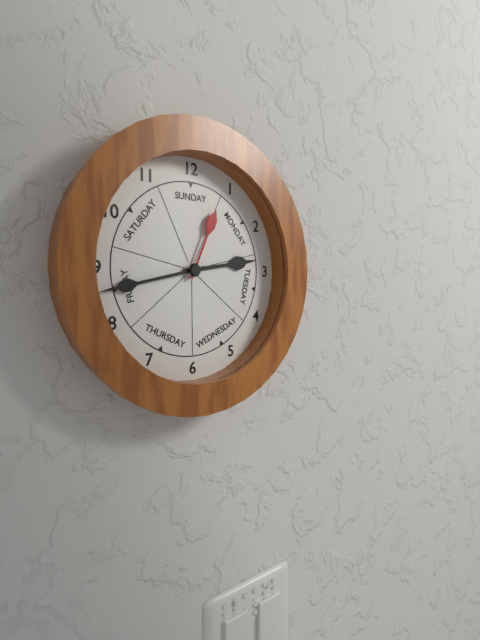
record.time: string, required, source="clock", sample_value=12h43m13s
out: 2h43m04s
